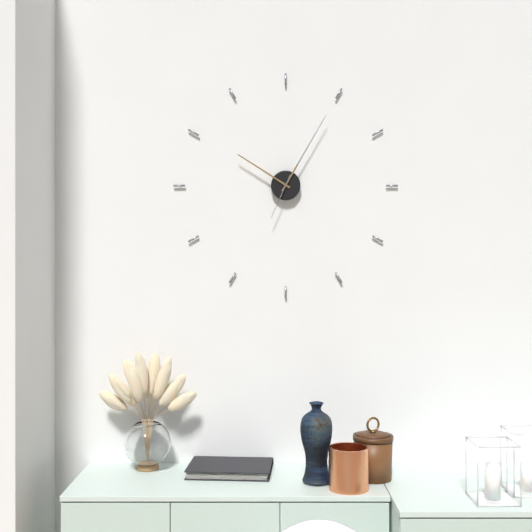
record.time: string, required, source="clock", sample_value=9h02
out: 10h05
